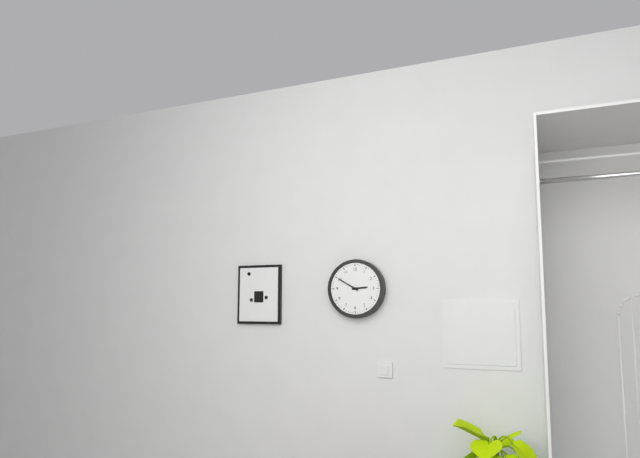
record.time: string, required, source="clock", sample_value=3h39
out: 2h50
